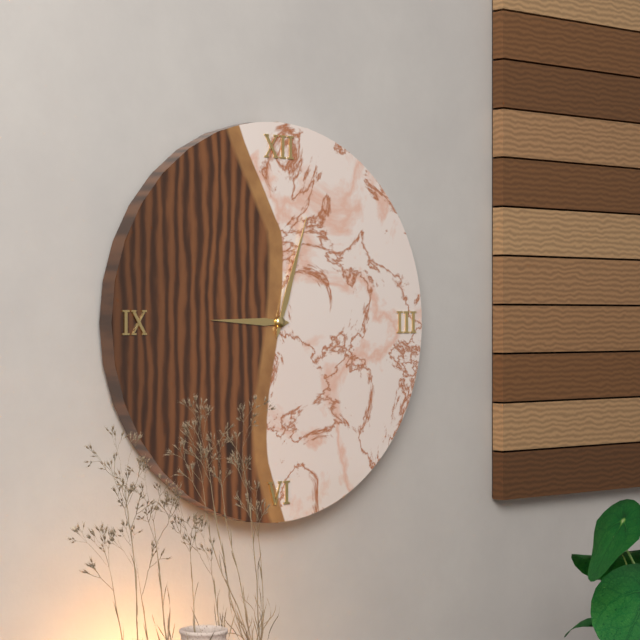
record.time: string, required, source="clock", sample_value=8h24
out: 9h03
